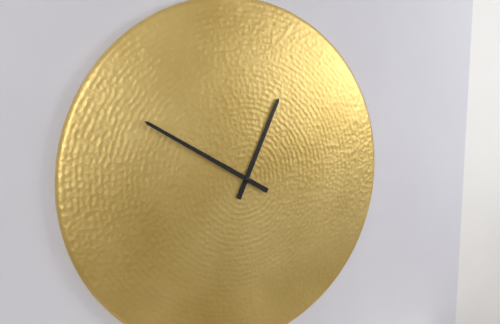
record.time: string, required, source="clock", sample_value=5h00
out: 12h50
